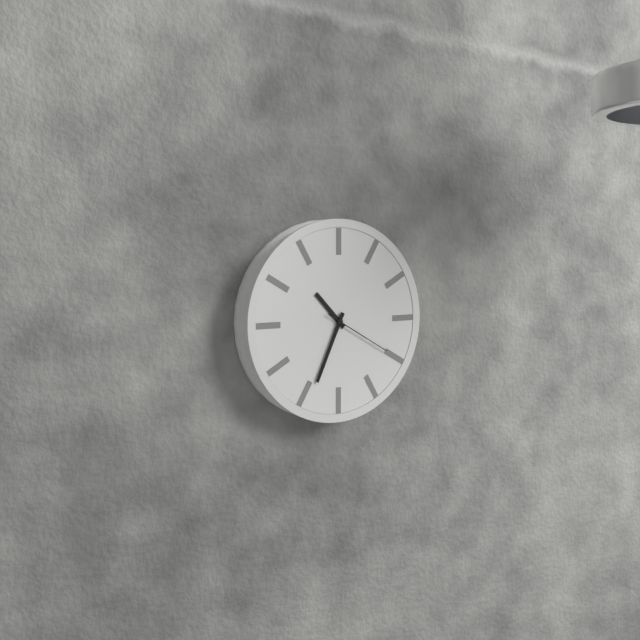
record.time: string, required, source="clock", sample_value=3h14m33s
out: 10h34m20s
